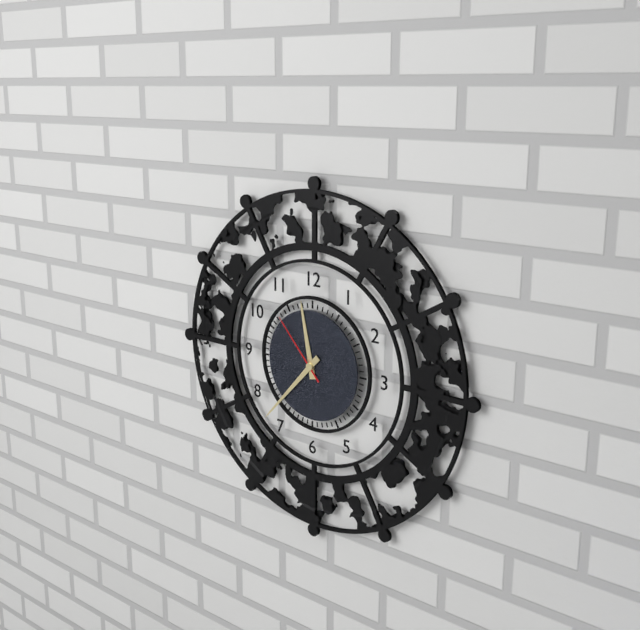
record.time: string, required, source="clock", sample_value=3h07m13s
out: 11h37m53s
